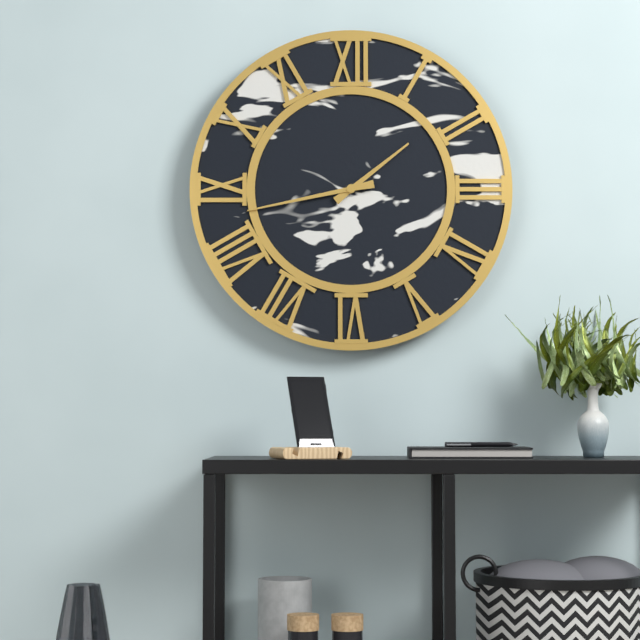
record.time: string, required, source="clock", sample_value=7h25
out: 1h43
